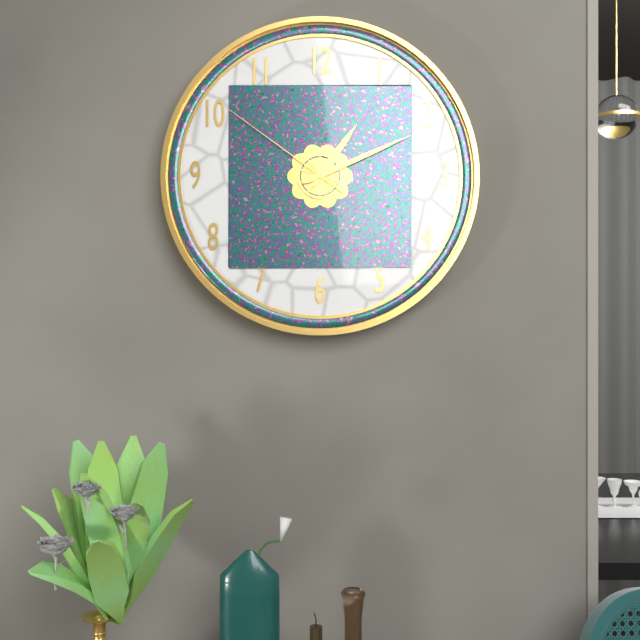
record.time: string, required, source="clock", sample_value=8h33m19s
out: 1h11m51s
